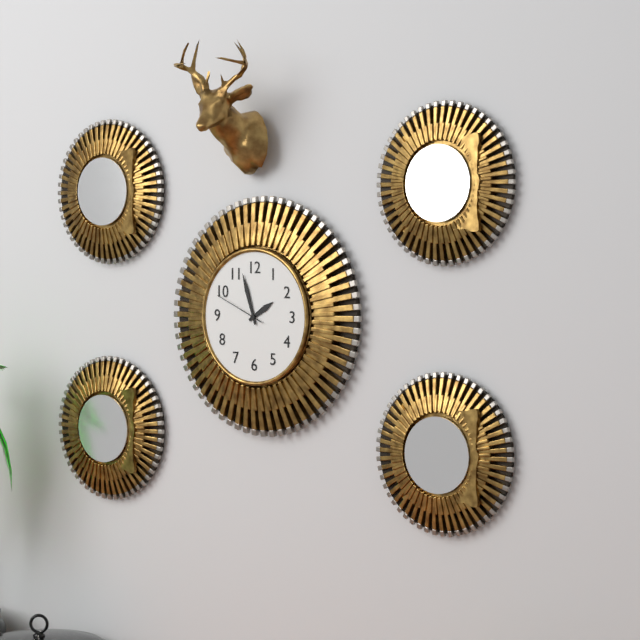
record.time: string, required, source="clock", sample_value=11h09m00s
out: 1h57m49s
